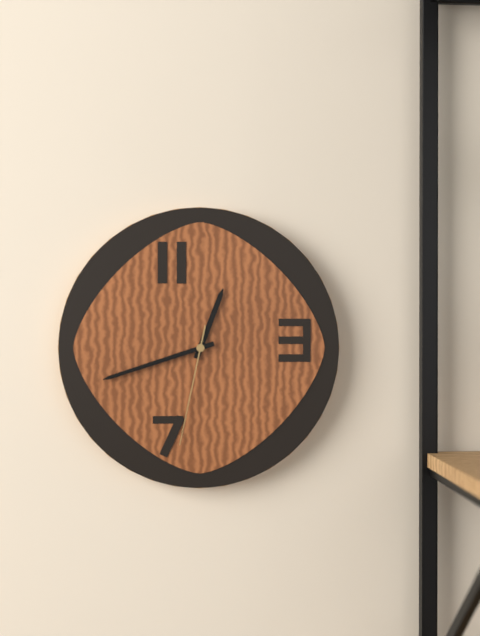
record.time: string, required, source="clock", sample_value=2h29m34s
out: 12h42m32s
